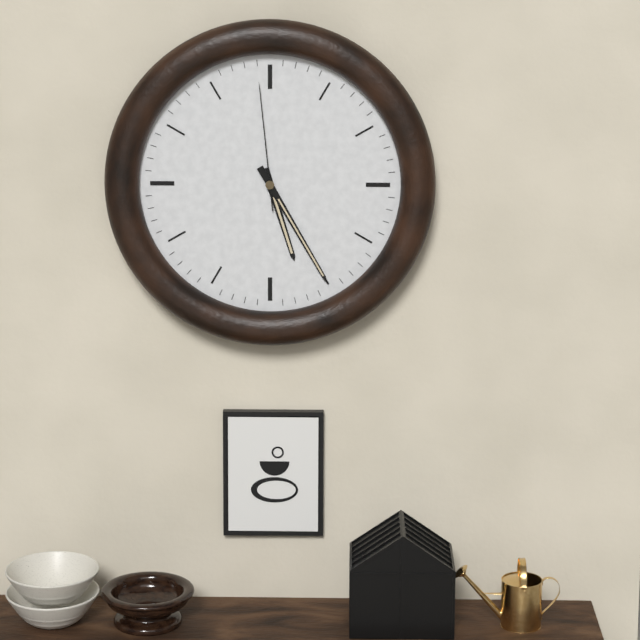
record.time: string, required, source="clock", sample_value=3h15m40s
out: 5h25m59s
